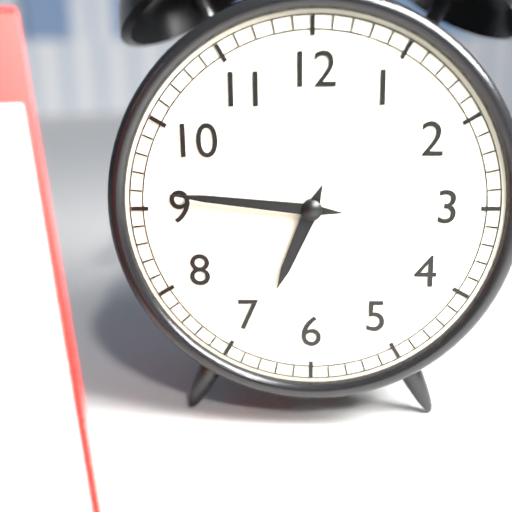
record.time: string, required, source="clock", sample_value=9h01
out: 6h46
